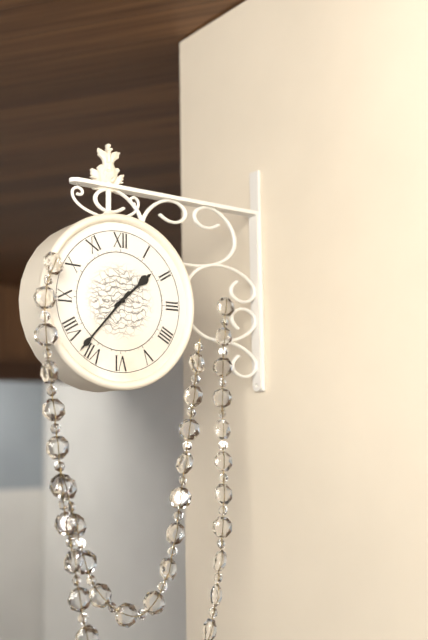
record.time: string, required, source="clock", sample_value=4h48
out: 1h37
